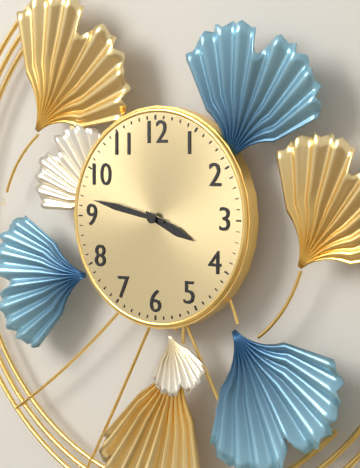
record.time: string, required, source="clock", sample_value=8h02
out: 3h47
